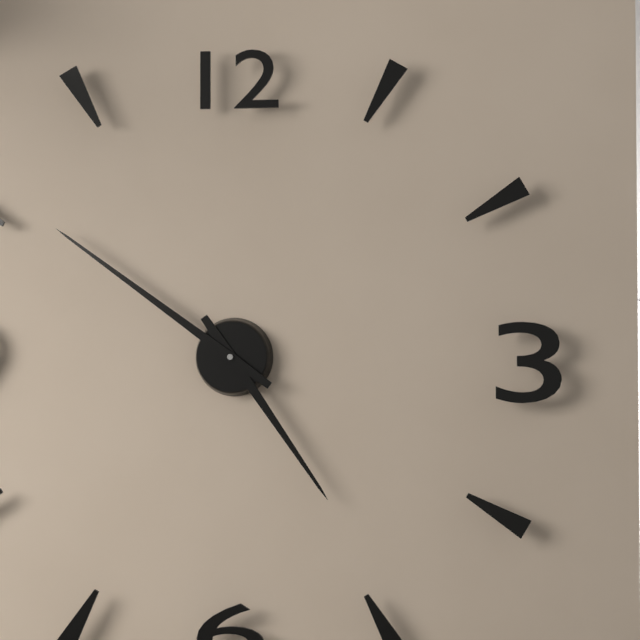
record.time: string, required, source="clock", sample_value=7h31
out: 4h51
